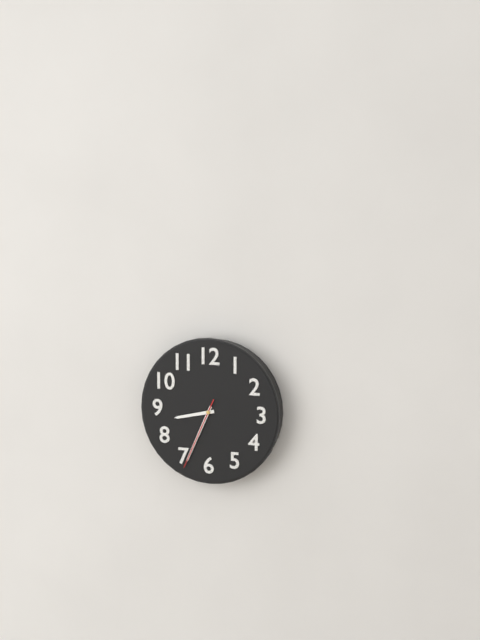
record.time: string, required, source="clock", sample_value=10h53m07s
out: 8h34m34s
